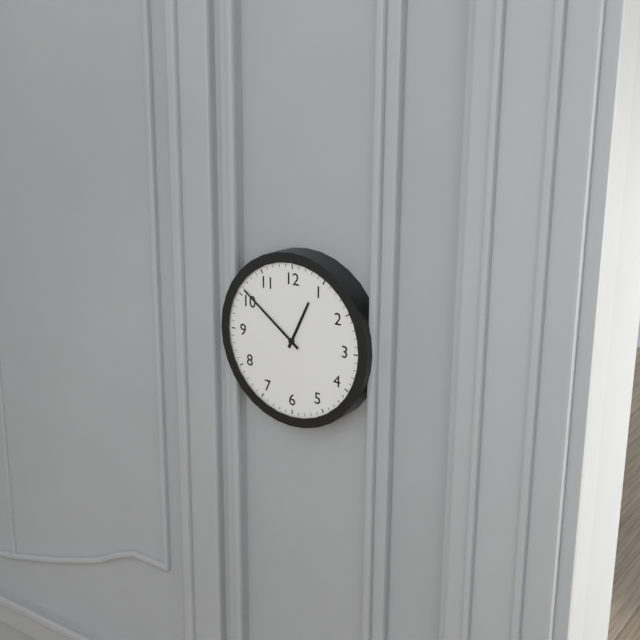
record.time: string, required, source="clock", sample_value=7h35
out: 12h51
